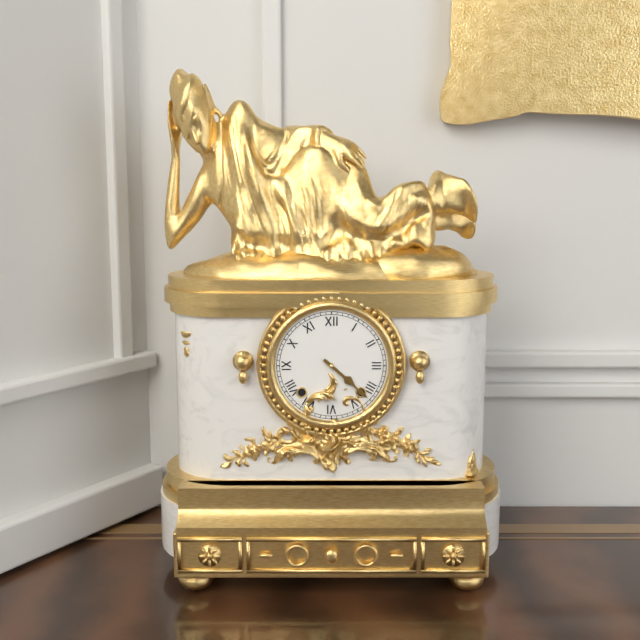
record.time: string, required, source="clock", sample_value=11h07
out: 4h22
